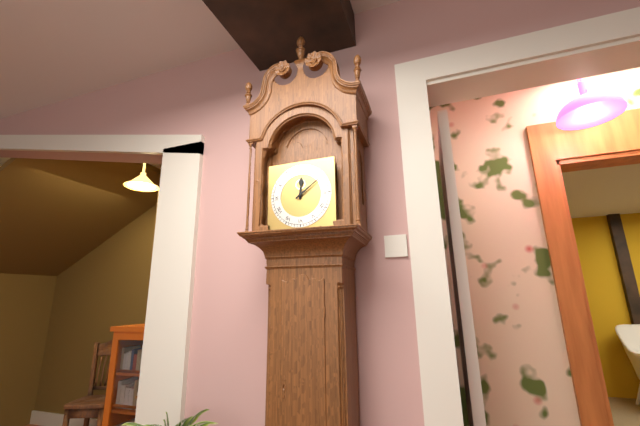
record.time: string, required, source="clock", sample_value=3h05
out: 12h09
